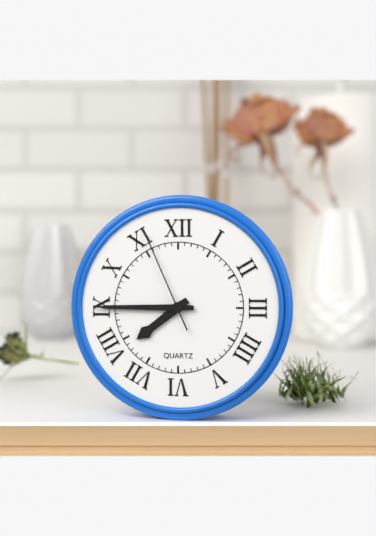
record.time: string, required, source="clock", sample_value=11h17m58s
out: 7h45m56s
